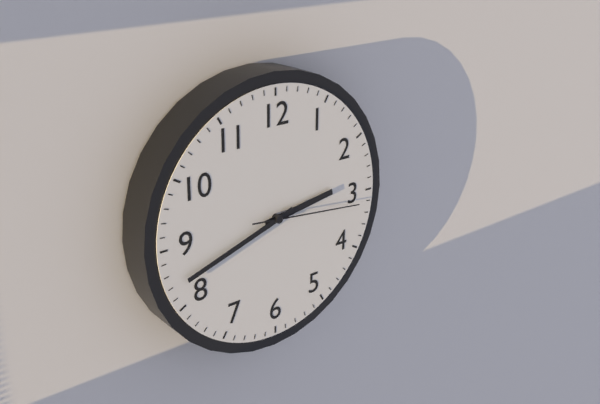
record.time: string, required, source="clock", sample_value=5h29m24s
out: 2h42m16s
